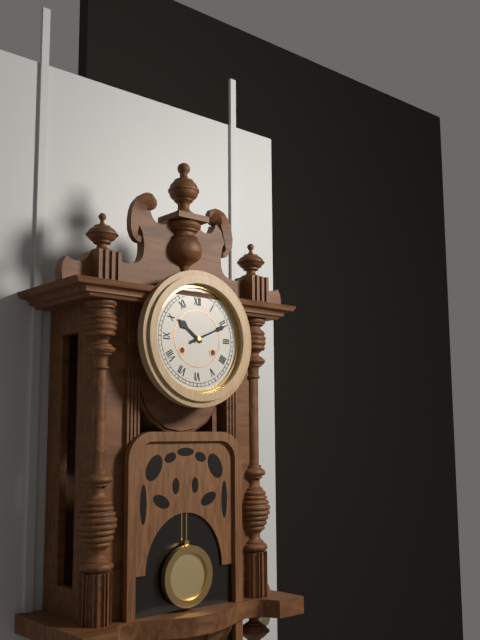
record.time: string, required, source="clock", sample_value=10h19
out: 10h11
